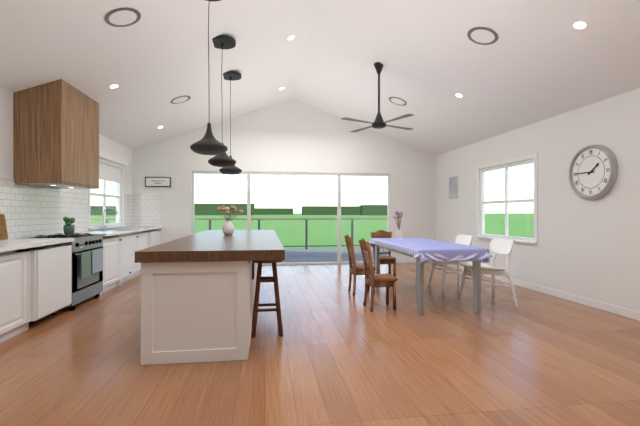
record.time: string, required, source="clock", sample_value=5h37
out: 1h45
